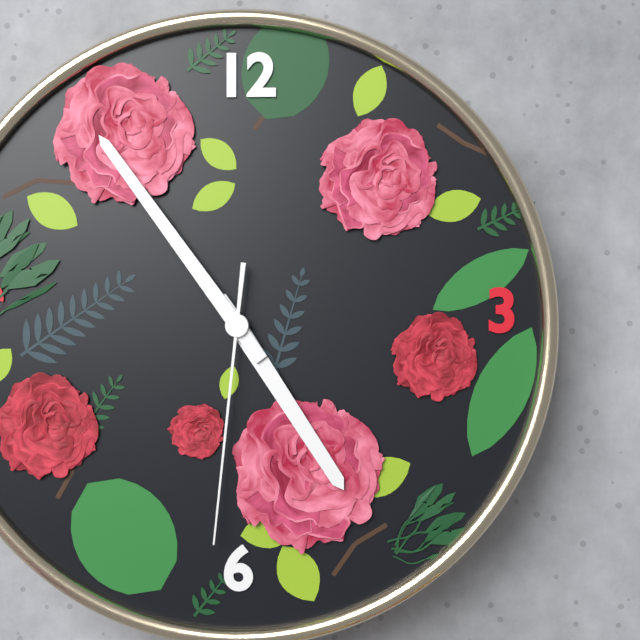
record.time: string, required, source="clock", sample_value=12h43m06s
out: 4h54m31s
